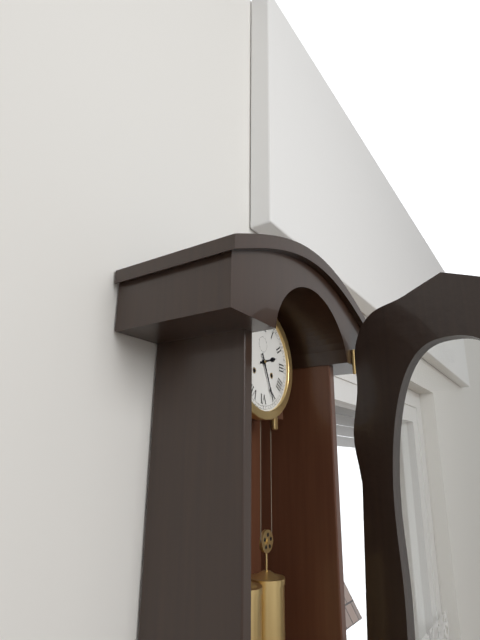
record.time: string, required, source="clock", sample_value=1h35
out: 2h26
